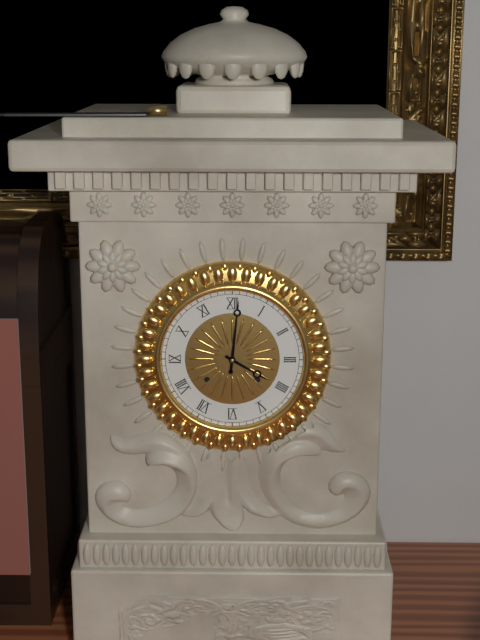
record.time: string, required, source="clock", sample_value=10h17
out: 4h01
